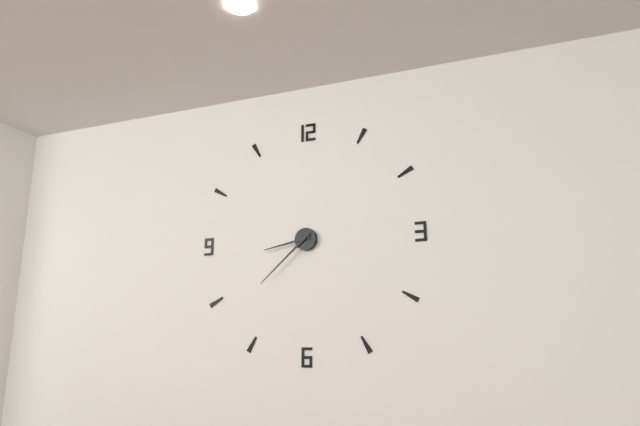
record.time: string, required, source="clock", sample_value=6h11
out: 8h38
